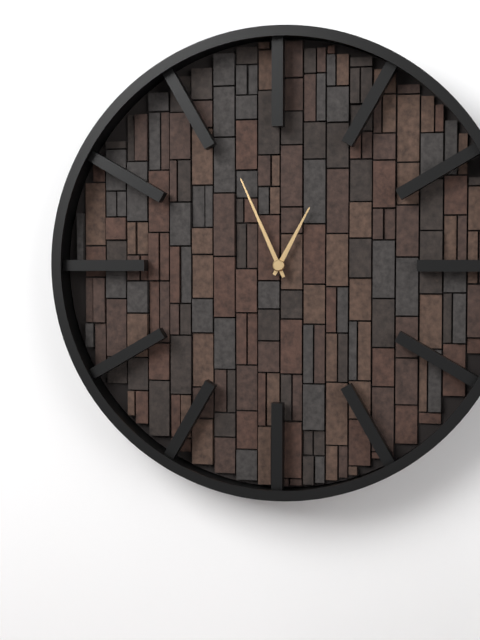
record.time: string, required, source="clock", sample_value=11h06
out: 12h56
